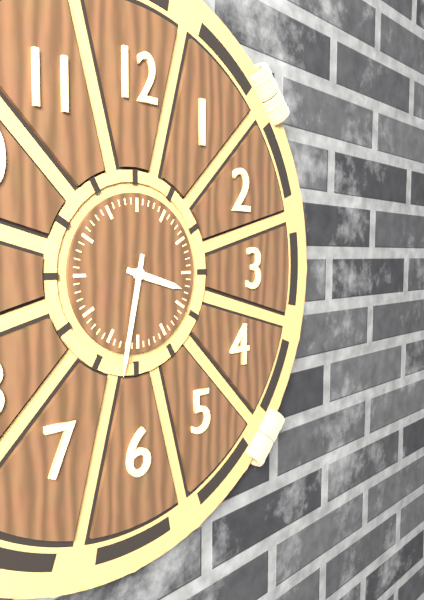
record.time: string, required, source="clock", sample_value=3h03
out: 3h32
